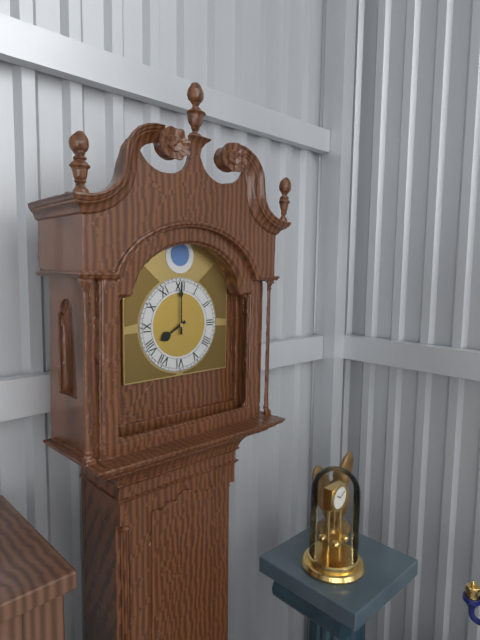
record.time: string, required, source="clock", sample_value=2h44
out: 8h00
